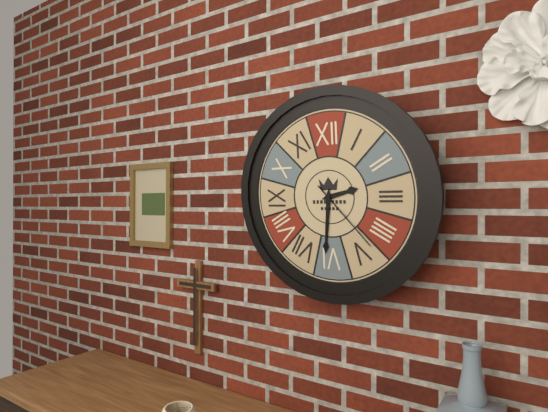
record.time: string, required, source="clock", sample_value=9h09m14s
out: 2h31m23s
